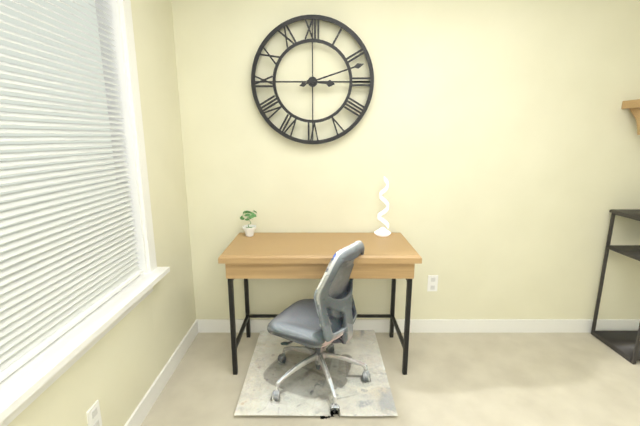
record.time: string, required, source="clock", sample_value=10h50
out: 3h12
